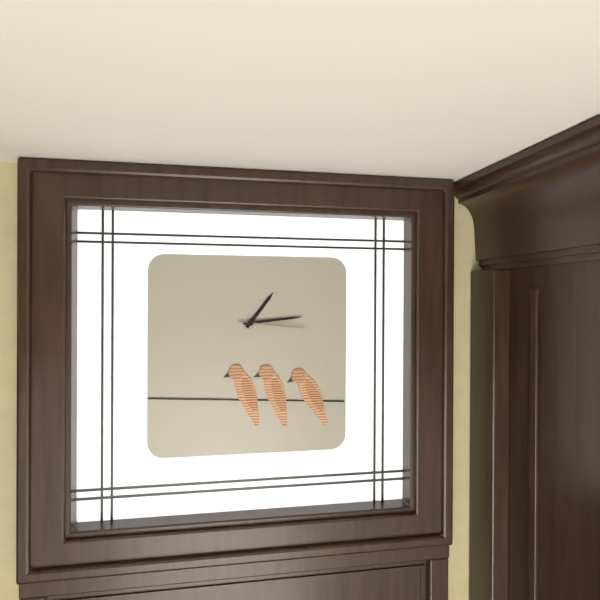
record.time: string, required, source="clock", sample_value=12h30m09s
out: 1h14m16s
